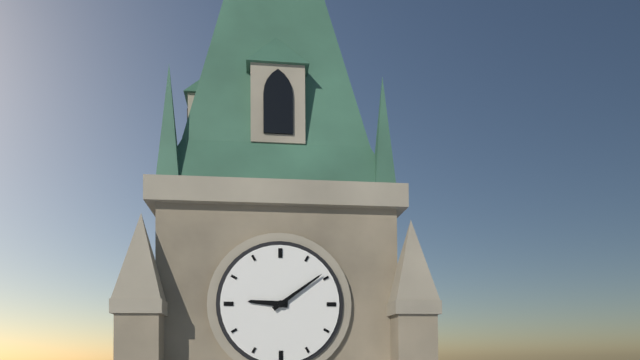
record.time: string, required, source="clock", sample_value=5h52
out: 9h09
